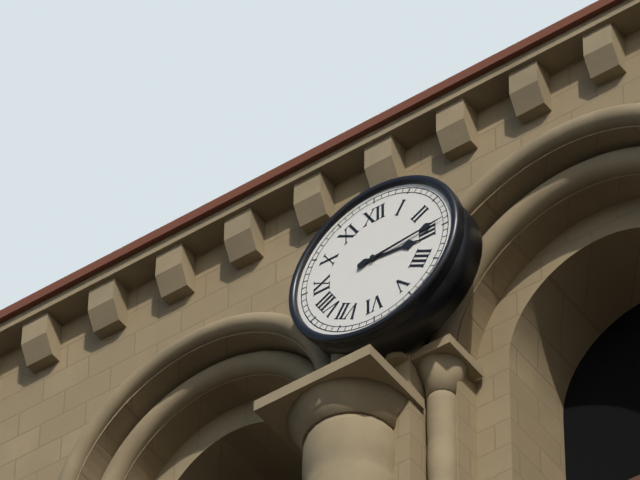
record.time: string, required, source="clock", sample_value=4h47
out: 3h14
